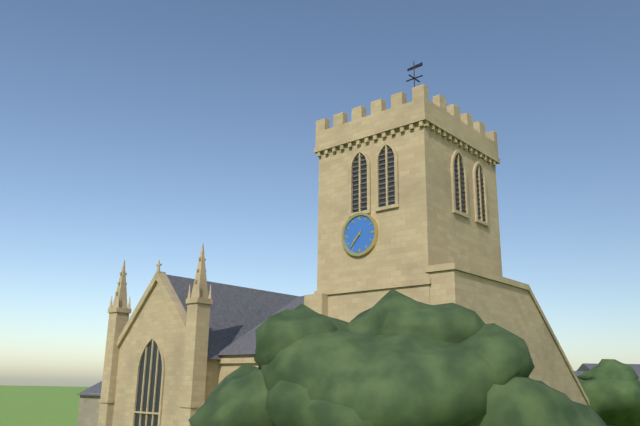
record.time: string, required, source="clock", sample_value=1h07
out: 7h37
